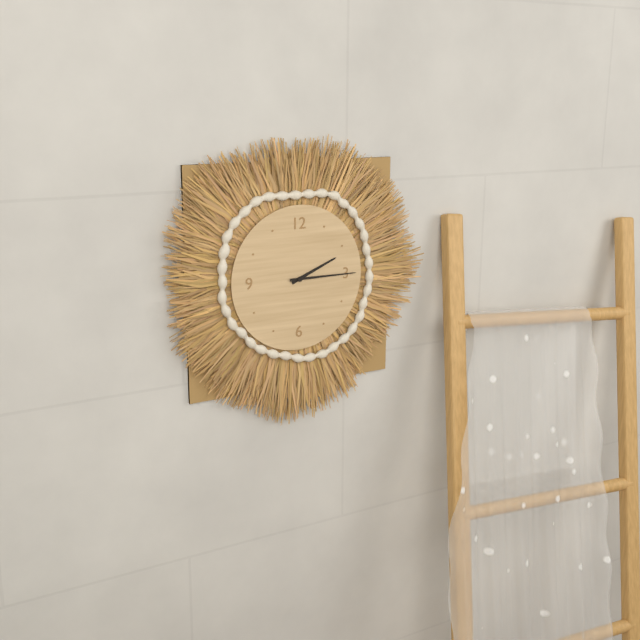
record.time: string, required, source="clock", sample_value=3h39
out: 2h15
